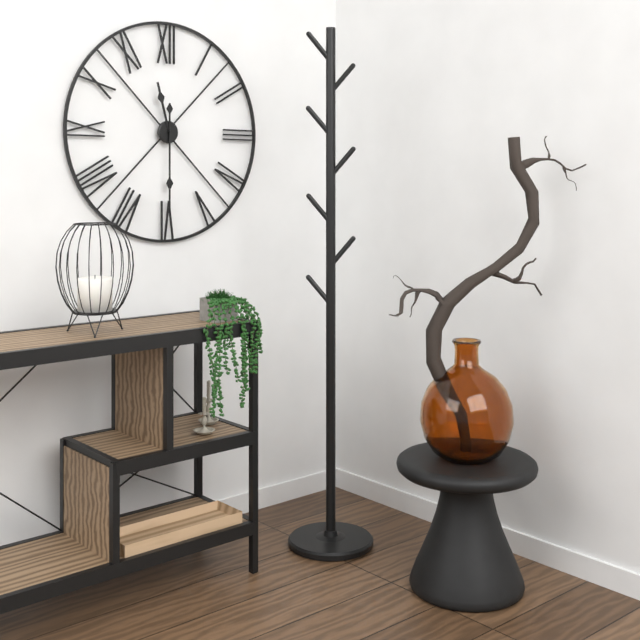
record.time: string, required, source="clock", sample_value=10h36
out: 11h30
